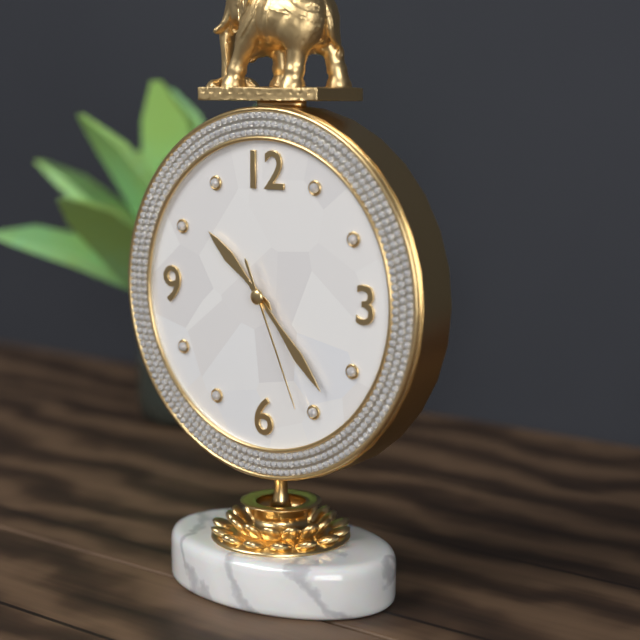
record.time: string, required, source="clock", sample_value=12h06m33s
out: 10h23m26s
